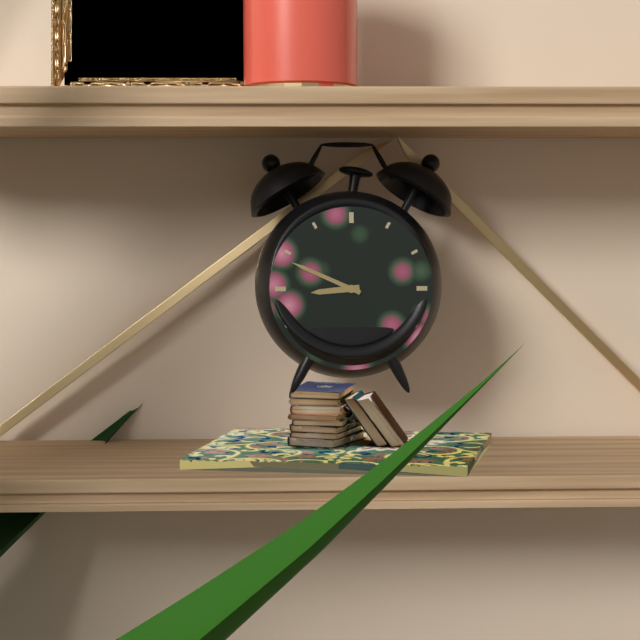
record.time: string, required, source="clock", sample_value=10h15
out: 8h49
